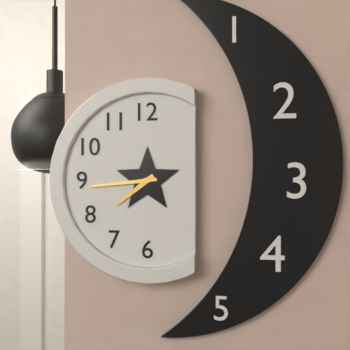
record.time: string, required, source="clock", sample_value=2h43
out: 7h44
